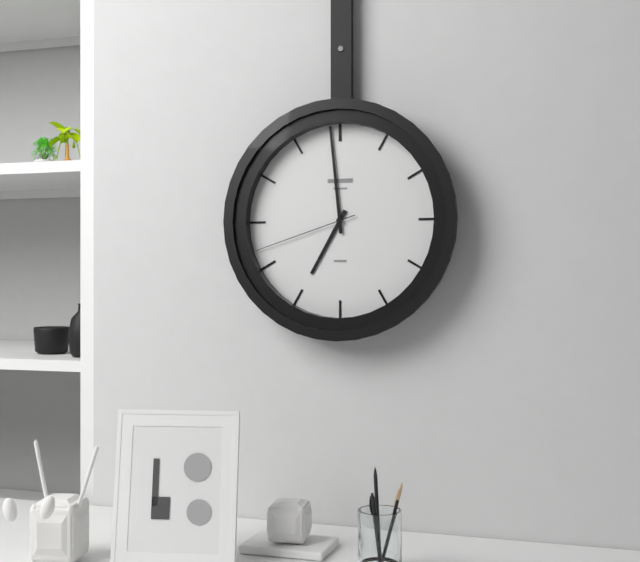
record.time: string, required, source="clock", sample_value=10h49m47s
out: 6h59m42s
